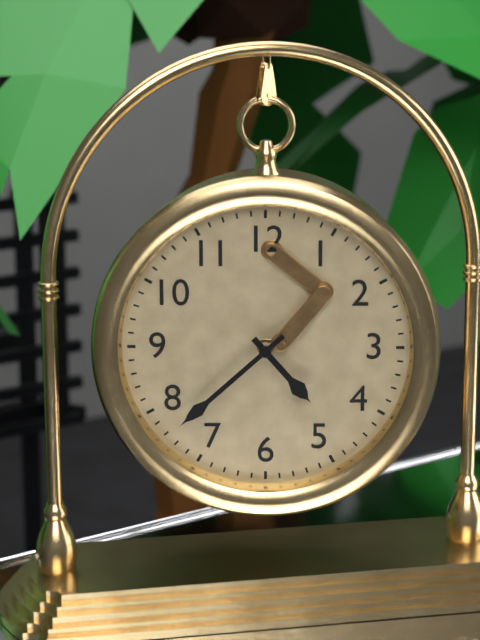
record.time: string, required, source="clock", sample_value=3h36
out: 4h38
